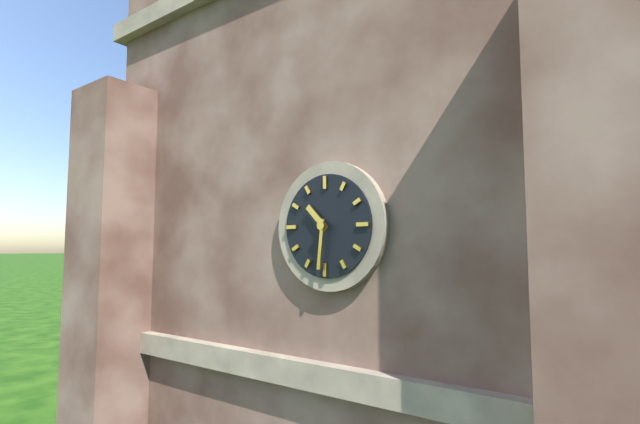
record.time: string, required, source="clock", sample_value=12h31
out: 10h31
